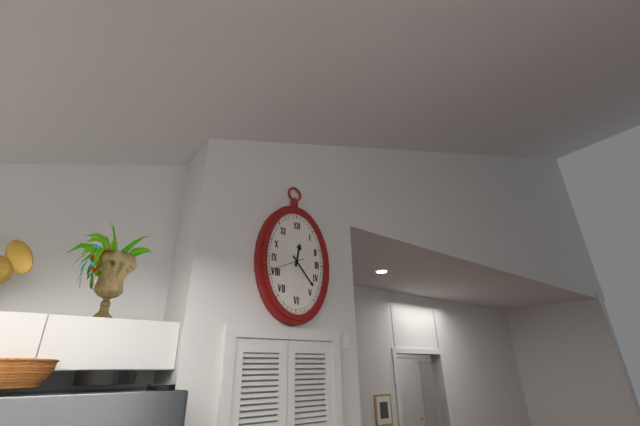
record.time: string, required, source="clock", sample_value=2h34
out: 12h23
